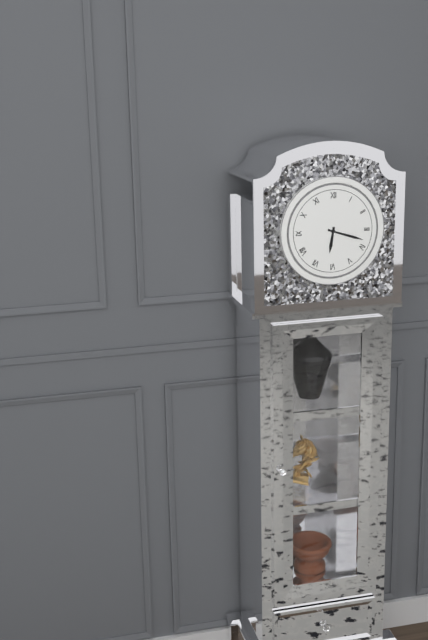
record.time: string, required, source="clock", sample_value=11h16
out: 6h18
